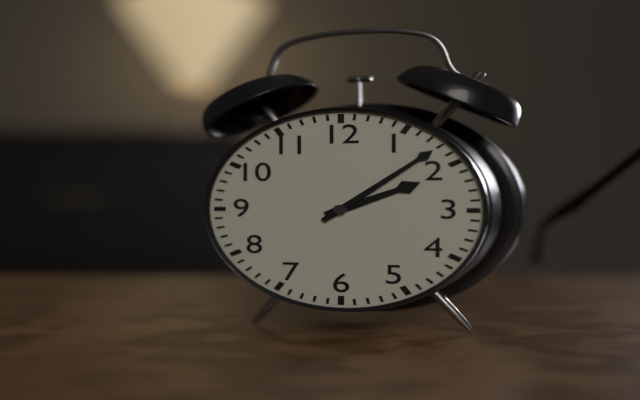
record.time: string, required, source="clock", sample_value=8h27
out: 2h08
